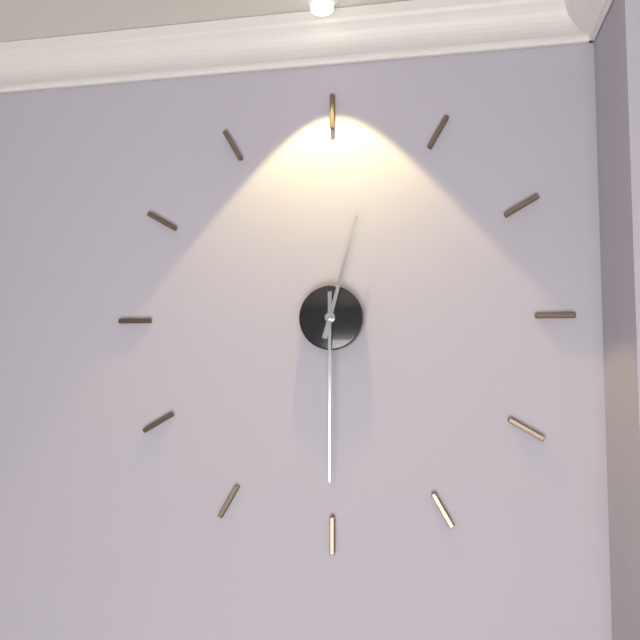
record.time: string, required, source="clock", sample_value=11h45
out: 12h30
